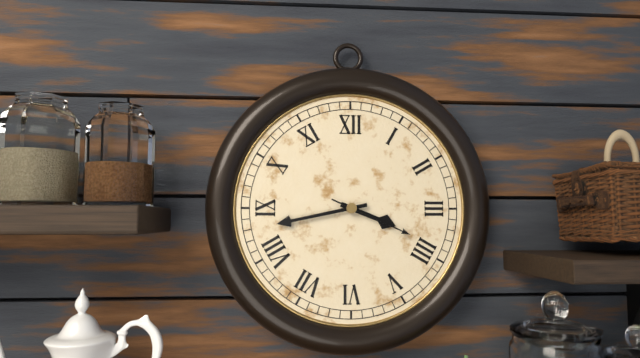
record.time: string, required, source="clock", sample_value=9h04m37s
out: 3h43m19s
